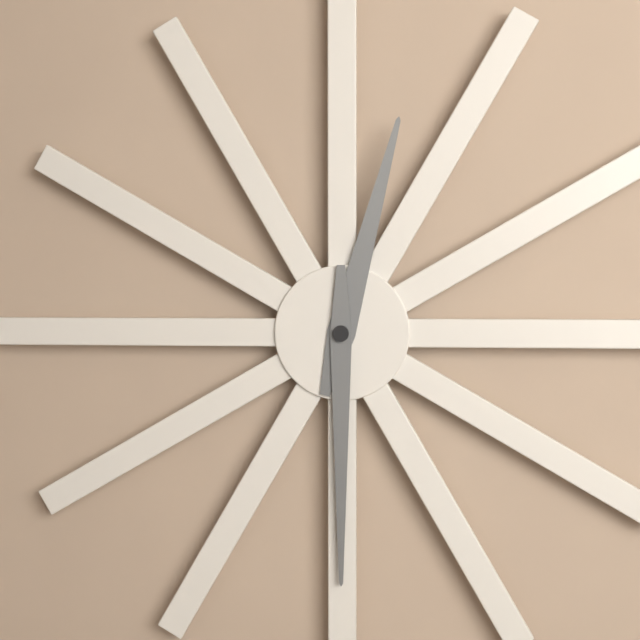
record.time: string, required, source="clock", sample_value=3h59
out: 12h30
